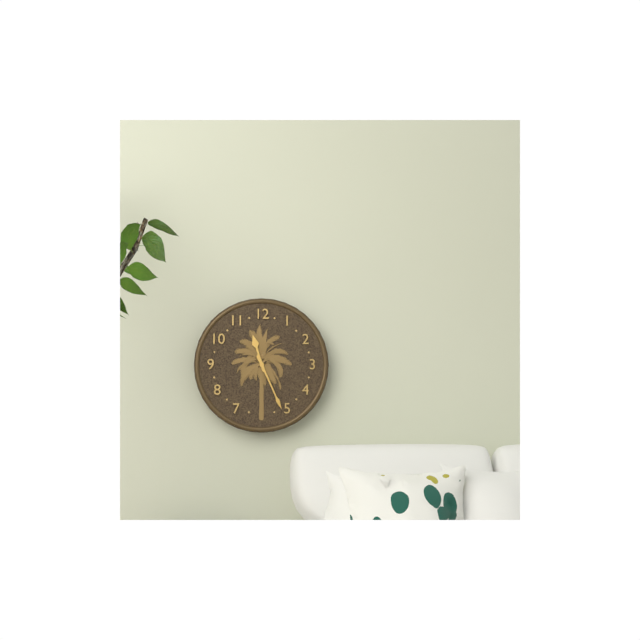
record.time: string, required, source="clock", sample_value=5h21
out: 11h26
